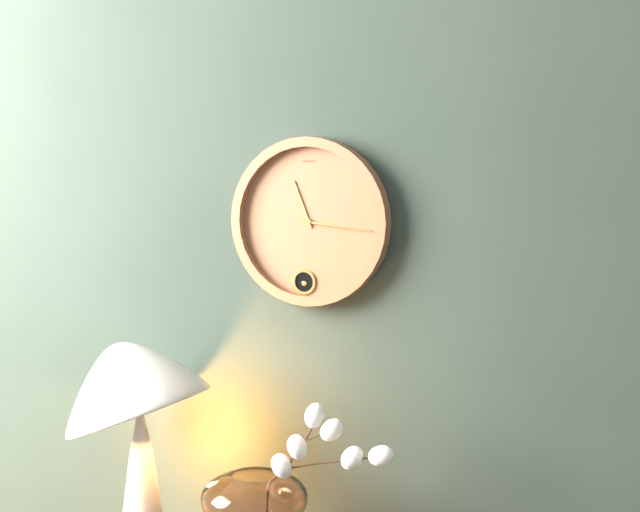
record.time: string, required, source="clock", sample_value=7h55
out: 11h16
